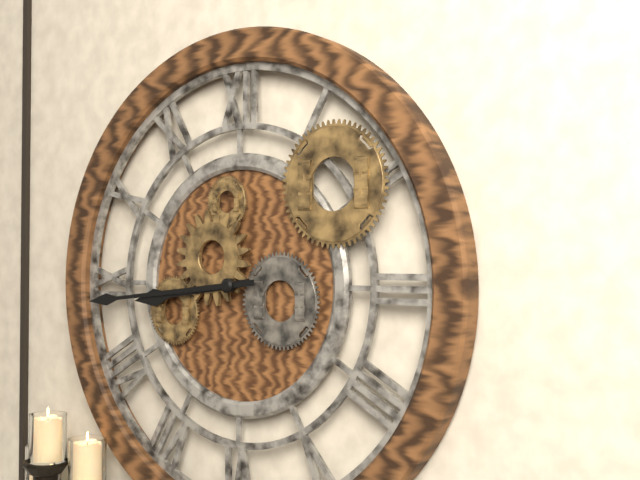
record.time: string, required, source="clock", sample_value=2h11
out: 8h44
